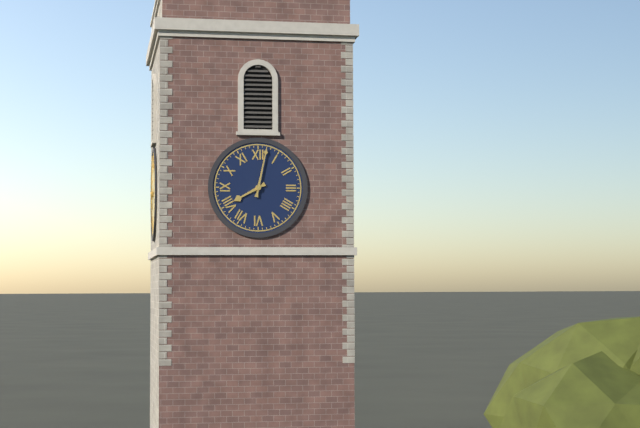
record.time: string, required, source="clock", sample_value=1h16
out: 8h02
